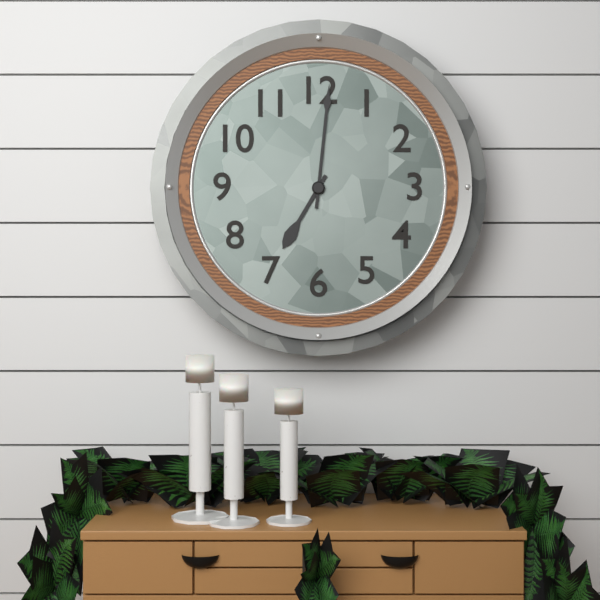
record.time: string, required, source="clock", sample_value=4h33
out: 7h01
